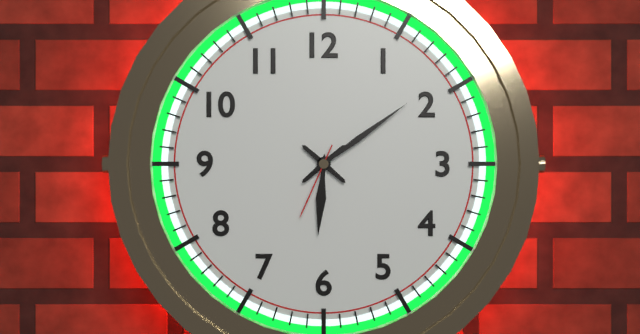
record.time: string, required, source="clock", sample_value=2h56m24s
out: 6h09m34s
